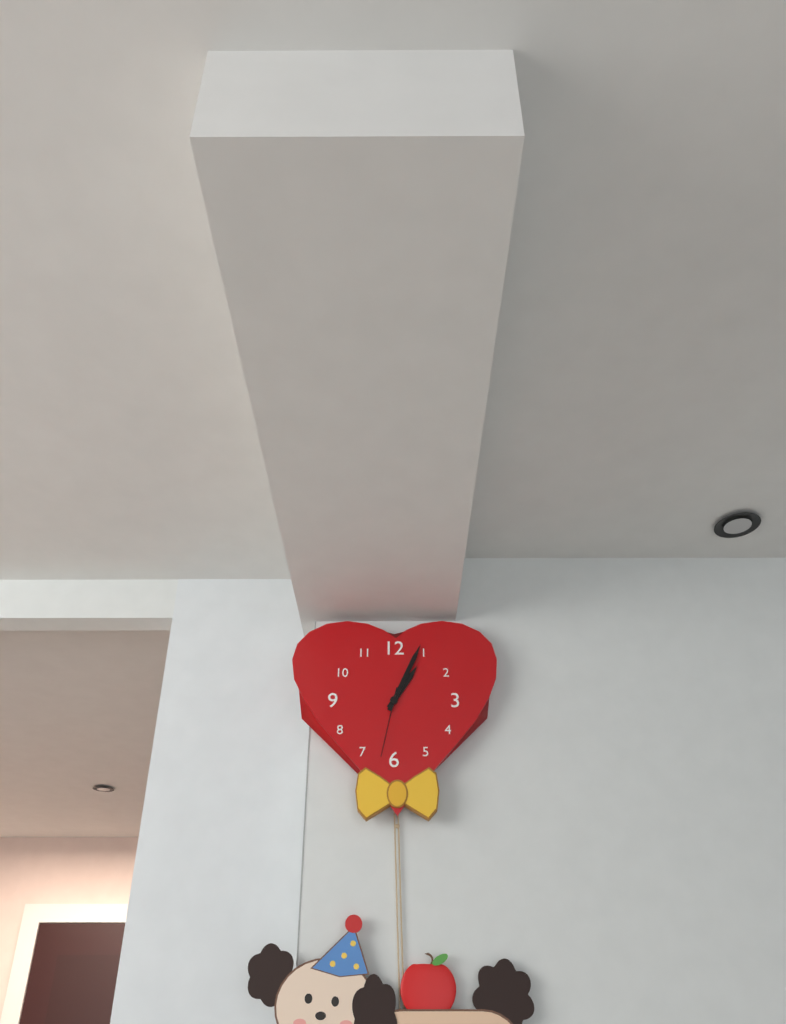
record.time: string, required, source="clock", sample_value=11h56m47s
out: 1h04m32s
